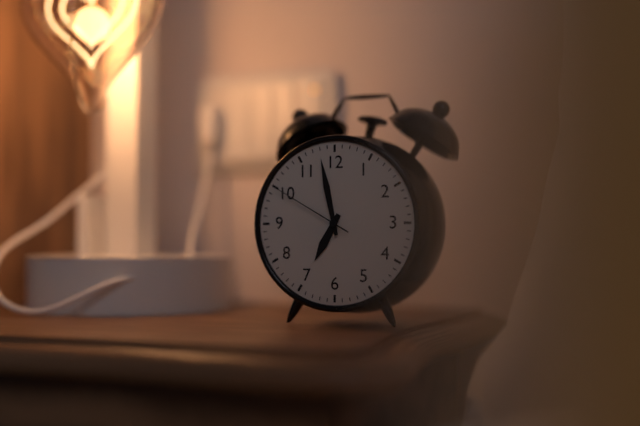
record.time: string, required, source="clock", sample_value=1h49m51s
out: 6h58m50s
